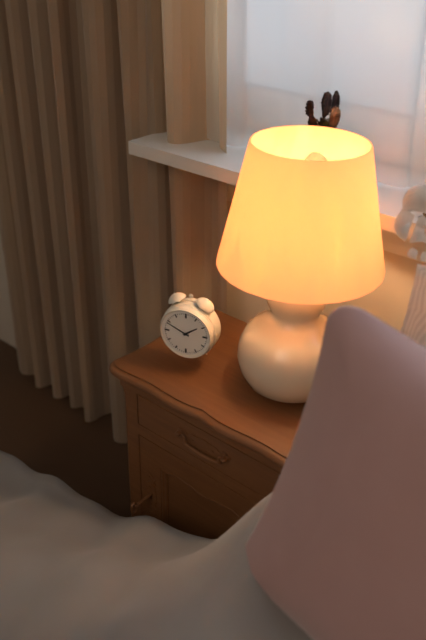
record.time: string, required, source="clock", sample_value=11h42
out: 1h49
